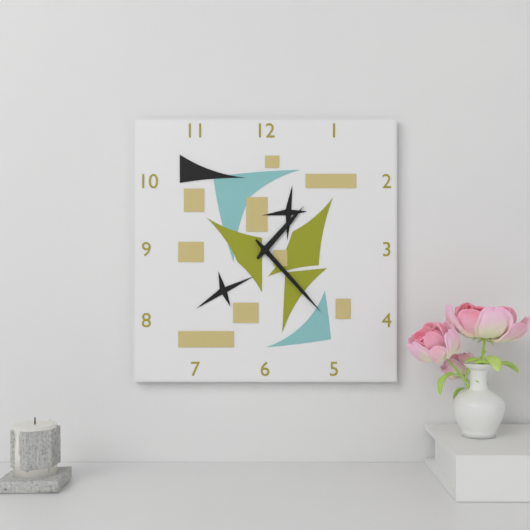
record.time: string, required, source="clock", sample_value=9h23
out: 1h23
